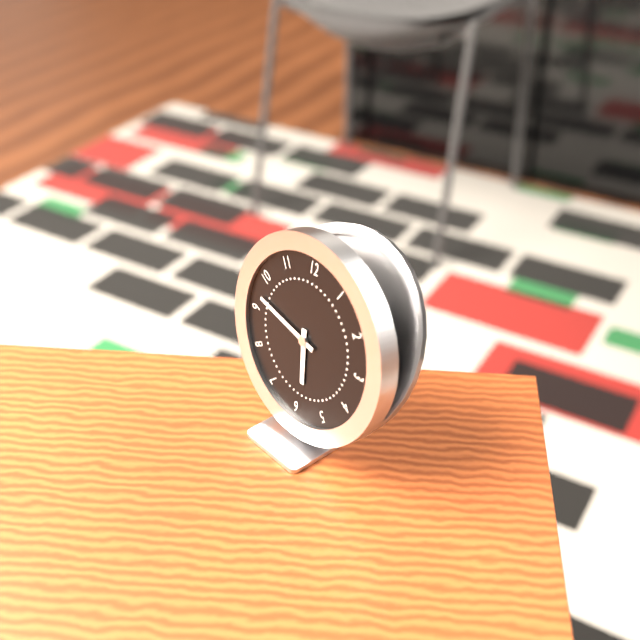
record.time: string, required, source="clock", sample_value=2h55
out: 5h47
